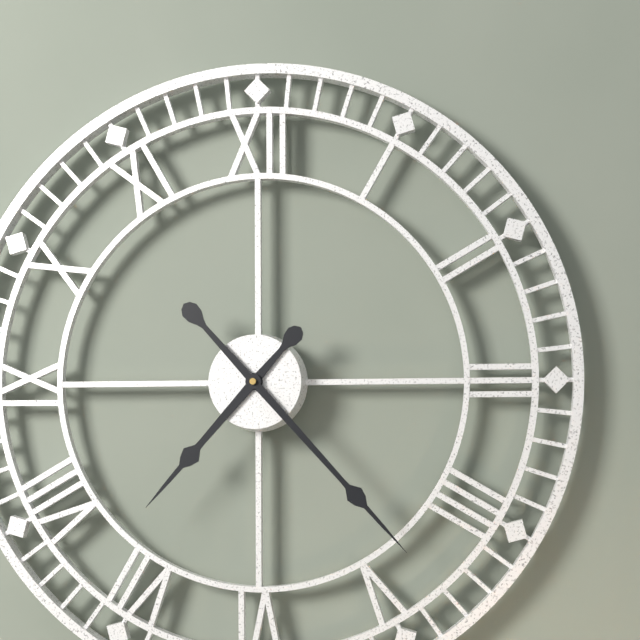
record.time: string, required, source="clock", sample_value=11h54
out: 7h23
